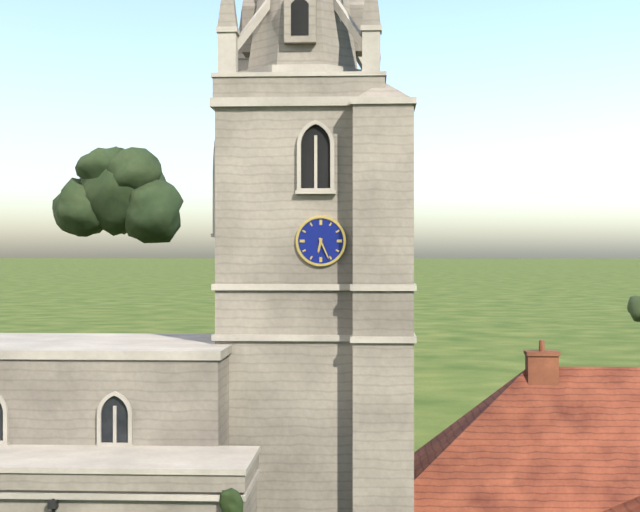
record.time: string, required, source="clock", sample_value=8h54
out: 6h26
